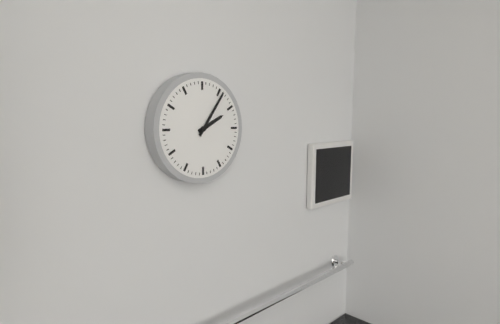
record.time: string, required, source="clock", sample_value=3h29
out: 2h06
